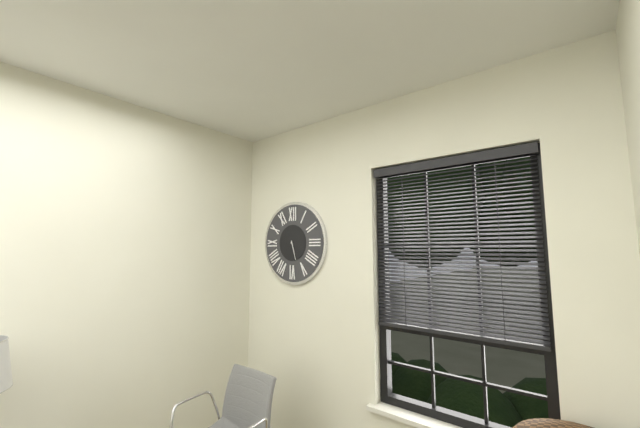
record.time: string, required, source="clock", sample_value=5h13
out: 5h27
